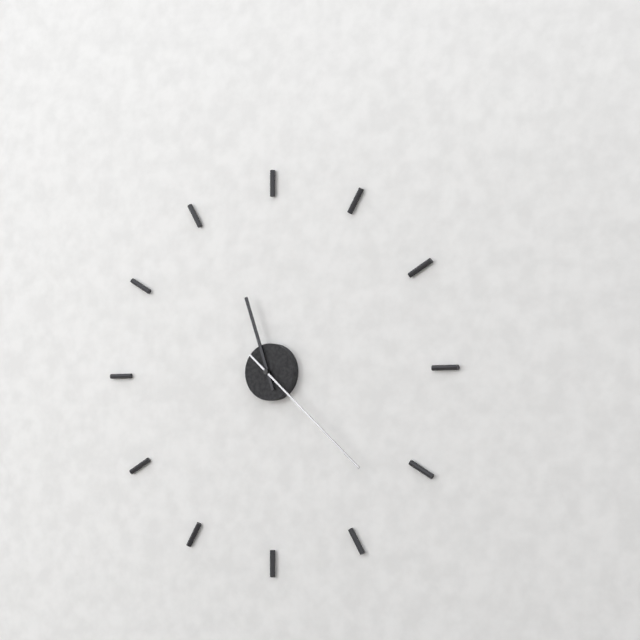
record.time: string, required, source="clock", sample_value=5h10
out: 11h22
